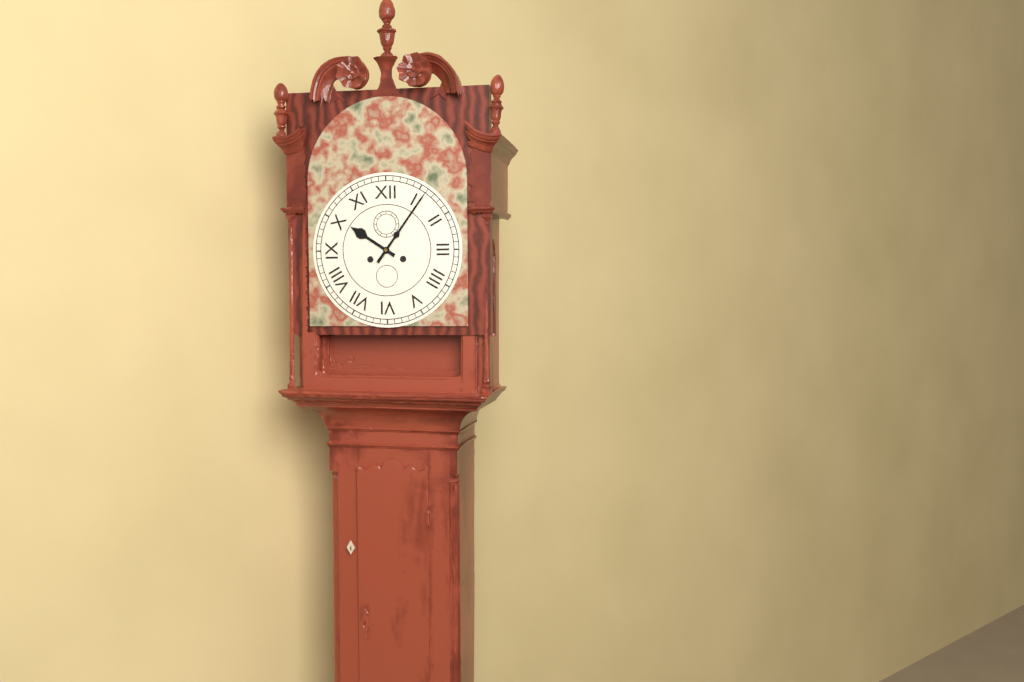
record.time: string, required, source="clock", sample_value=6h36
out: 10h06
